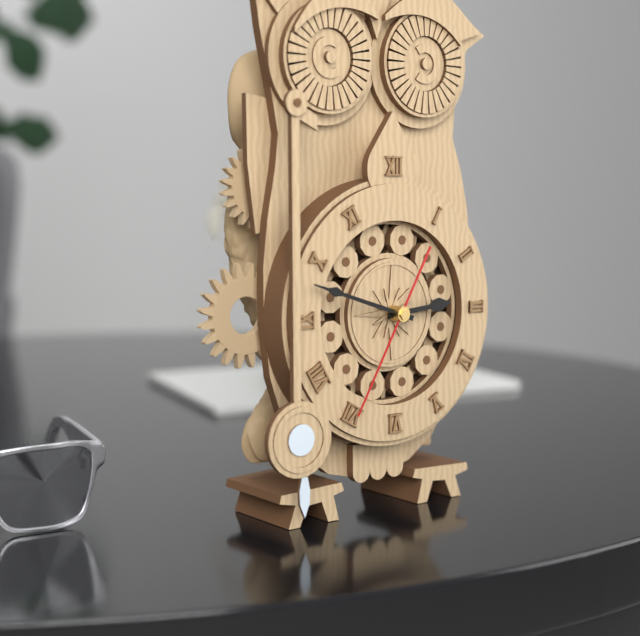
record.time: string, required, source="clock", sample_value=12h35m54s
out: 2h48m35s
